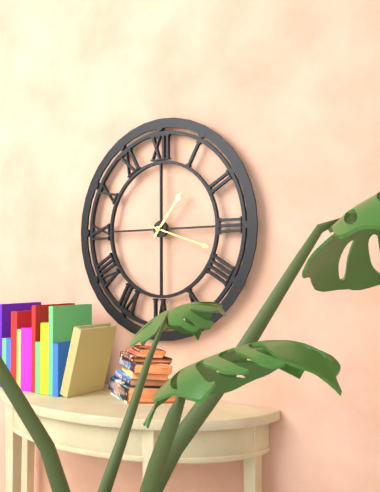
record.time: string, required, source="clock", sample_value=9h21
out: 1h18
